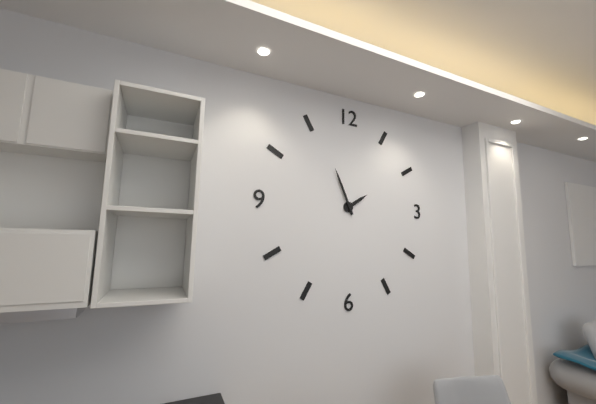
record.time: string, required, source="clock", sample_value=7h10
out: 1h56
